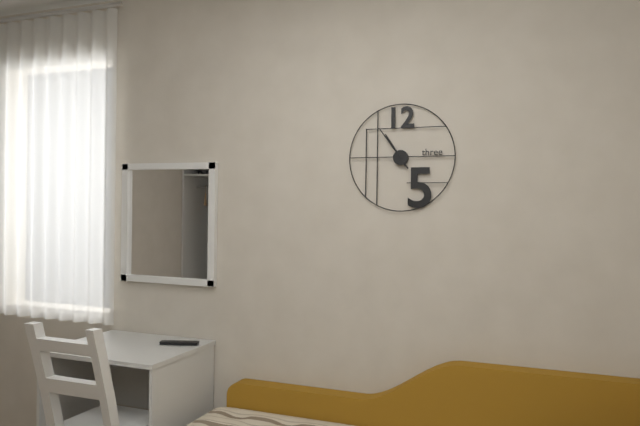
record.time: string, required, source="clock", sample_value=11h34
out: 10h54
